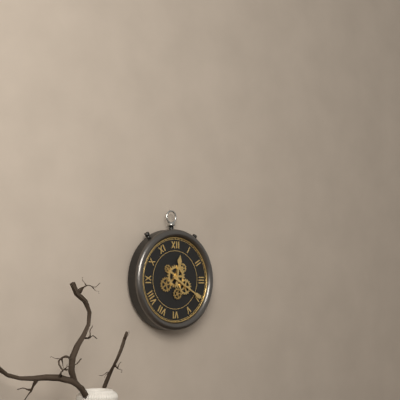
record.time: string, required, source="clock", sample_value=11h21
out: 12h20
